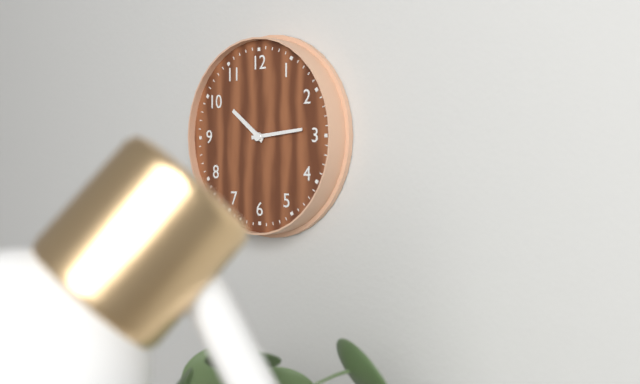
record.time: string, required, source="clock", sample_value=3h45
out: 10h14
